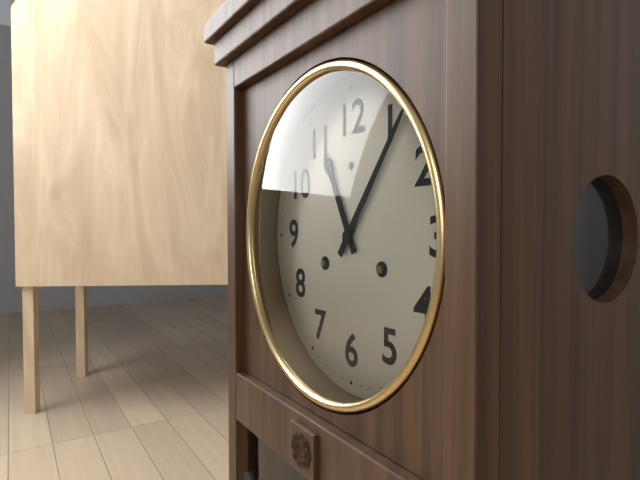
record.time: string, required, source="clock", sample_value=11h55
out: 11h06
